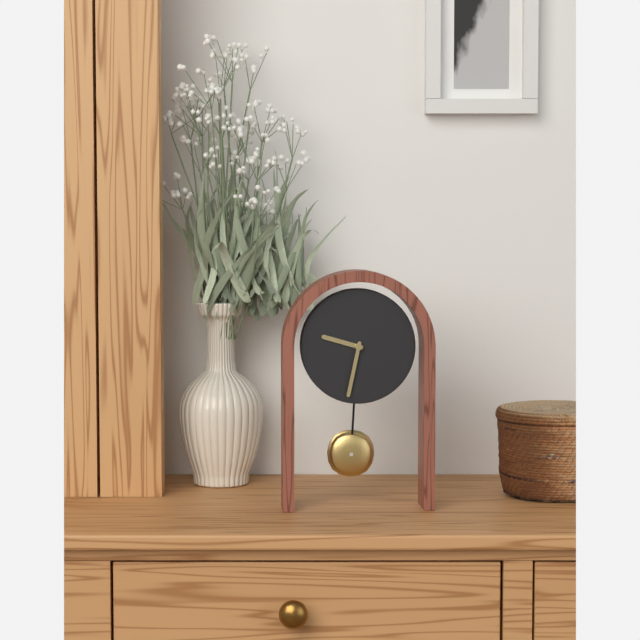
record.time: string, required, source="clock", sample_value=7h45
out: 9h32
